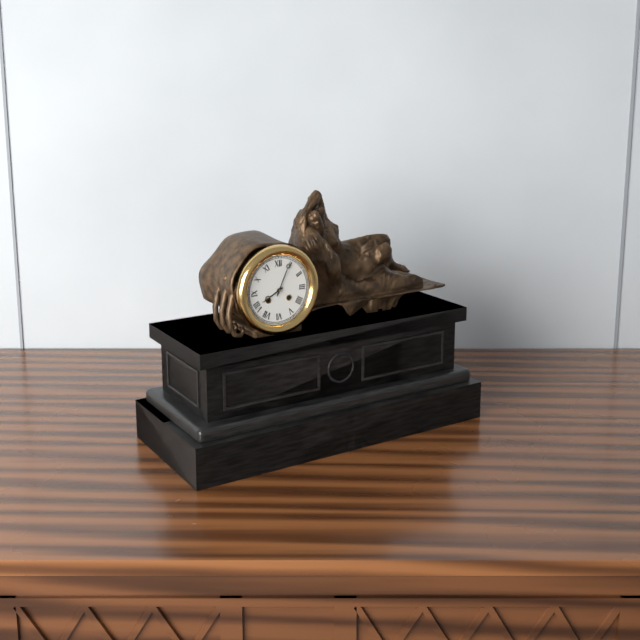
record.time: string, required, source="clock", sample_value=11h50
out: 8h04
